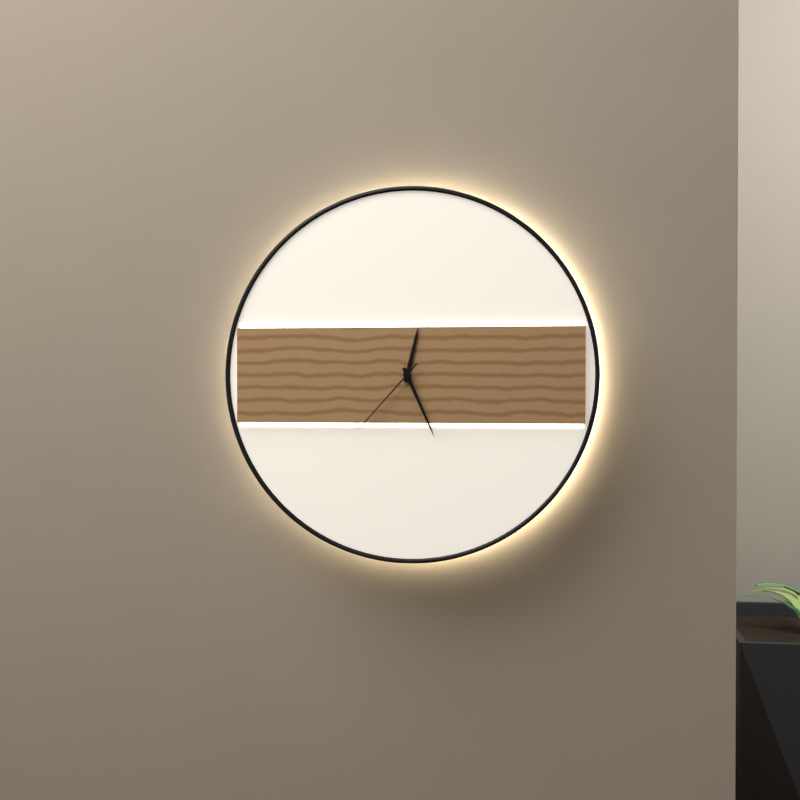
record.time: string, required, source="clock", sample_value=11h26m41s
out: 12h26m37s
